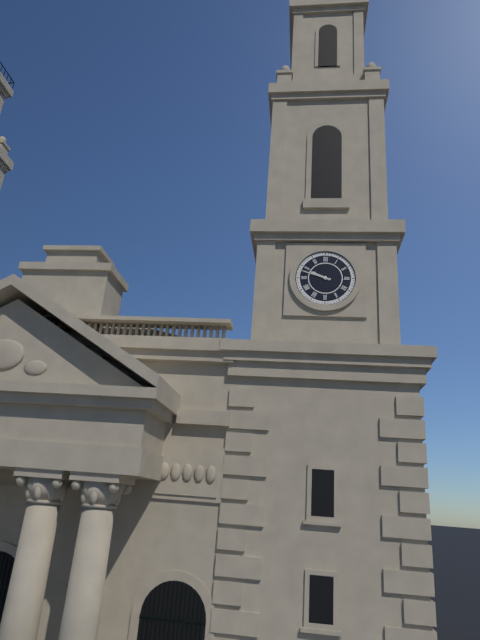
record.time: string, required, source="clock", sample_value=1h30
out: 9h48
